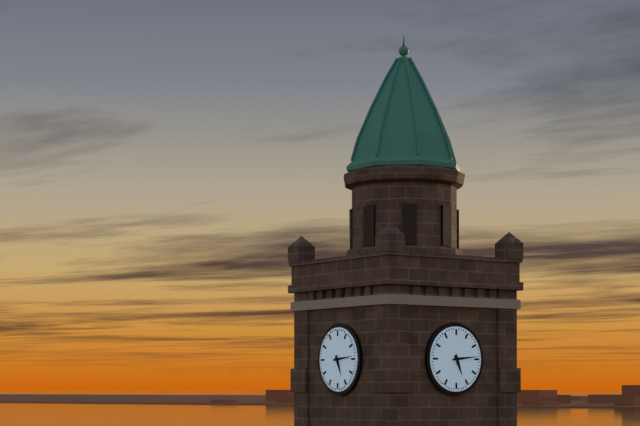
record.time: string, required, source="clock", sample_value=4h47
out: 5h14
